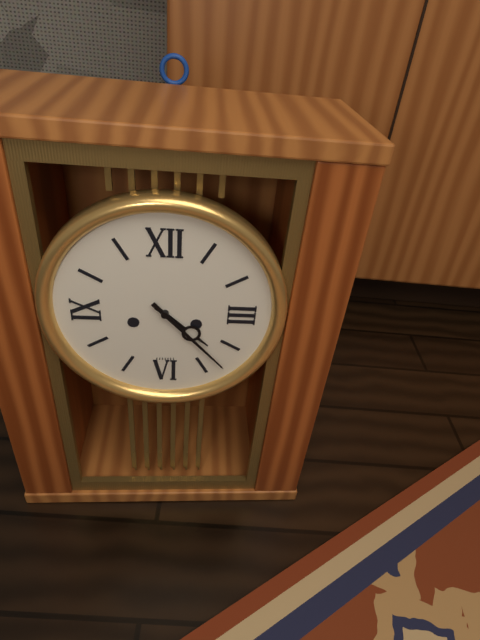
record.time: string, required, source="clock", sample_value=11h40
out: 4h23
